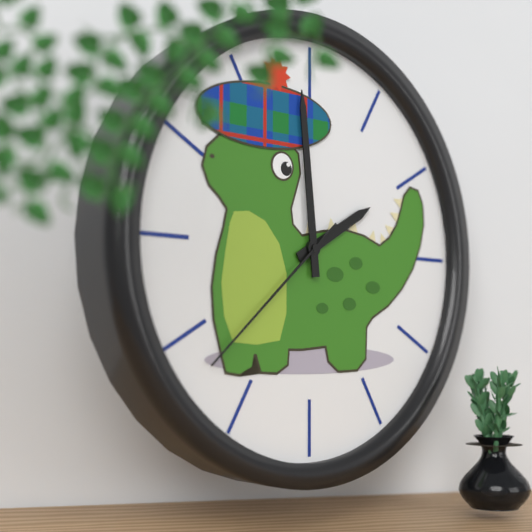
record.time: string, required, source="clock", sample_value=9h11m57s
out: 1h59m38s
